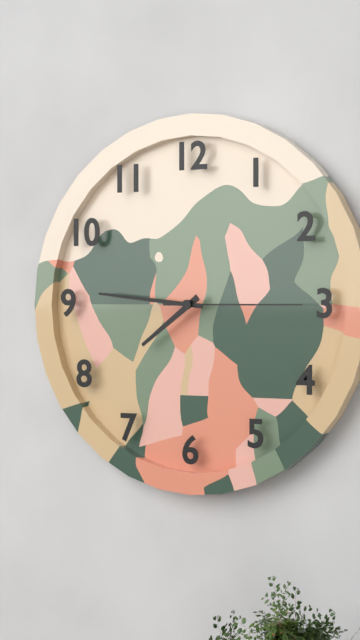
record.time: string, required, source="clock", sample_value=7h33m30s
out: 7h46m15s
